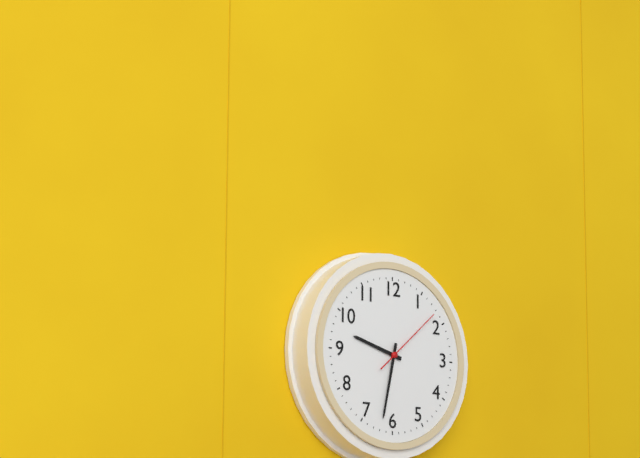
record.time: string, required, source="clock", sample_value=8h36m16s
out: 9h32m08s
